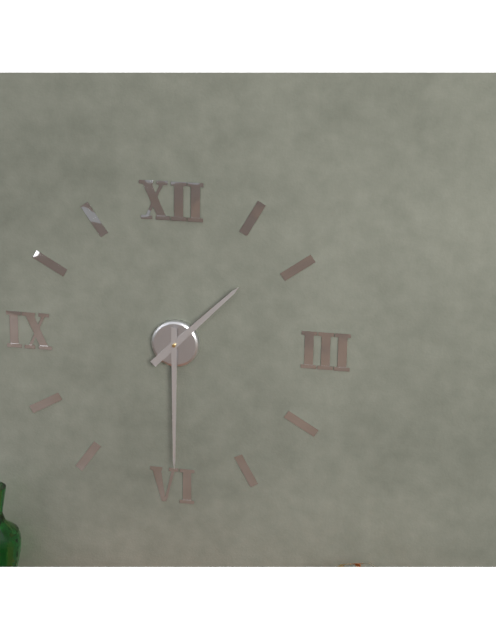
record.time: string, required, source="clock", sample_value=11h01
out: 1h30
